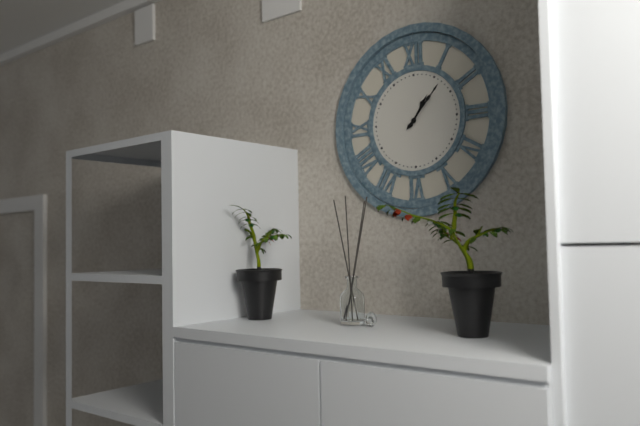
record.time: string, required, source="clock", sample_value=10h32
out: 1h07
